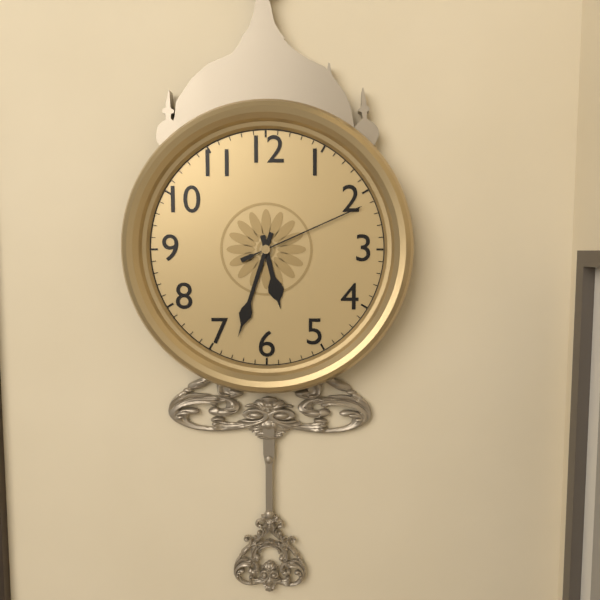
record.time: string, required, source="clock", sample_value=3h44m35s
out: 5h33m11s
